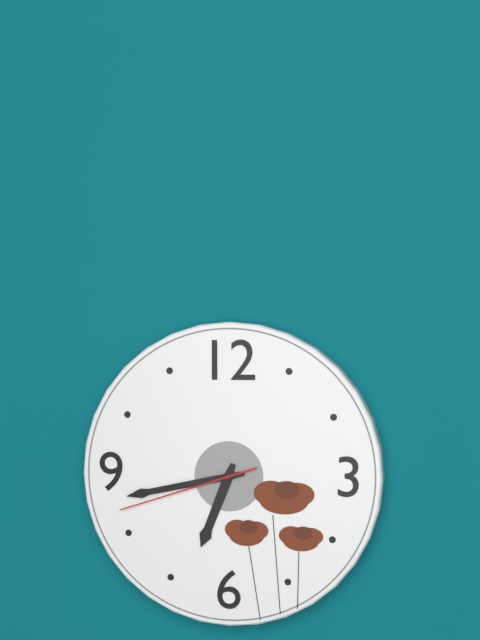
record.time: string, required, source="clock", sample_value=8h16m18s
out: 6h43m42s
